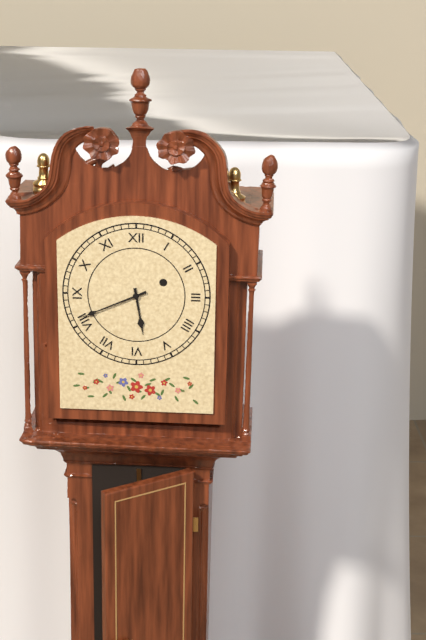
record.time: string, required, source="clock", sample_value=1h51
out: 5h41
